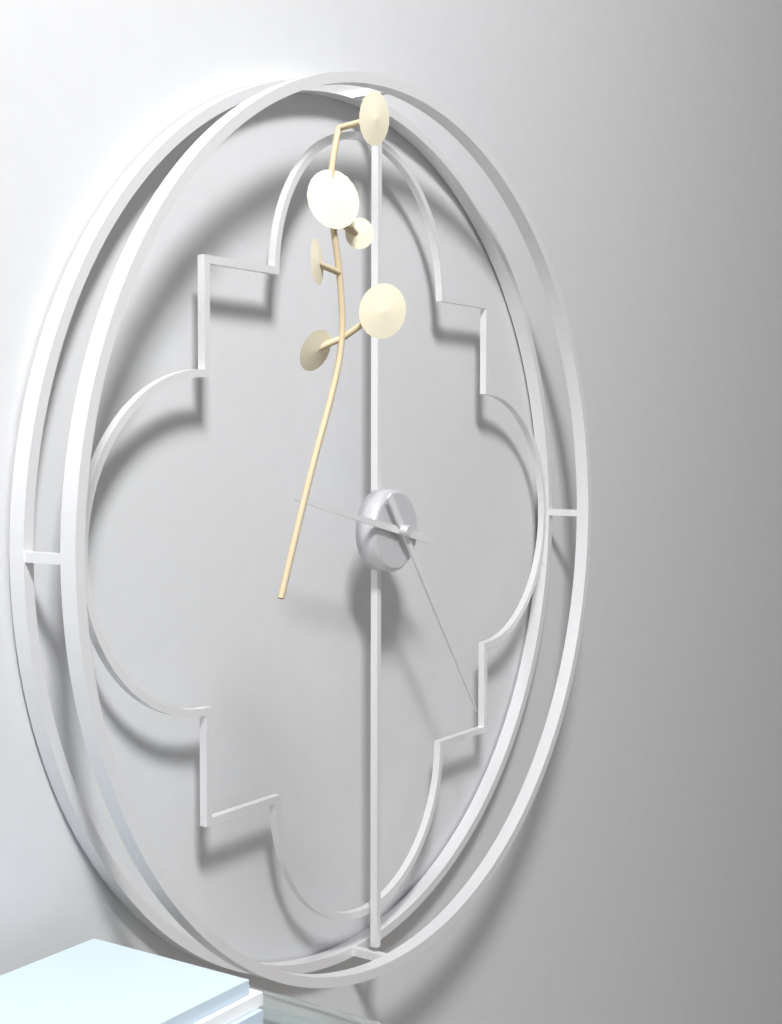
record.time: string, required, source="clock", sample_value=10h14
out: 9h24
